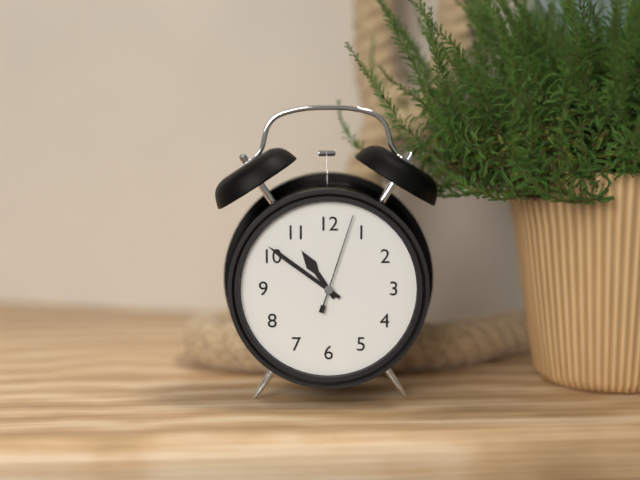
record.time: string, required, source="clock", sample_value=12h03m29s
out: 10h51m03s
